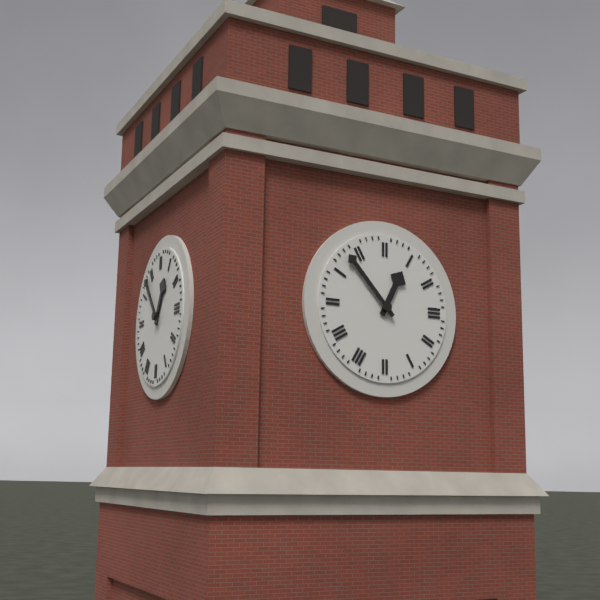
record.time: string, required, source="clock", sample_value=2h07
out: 12h53
